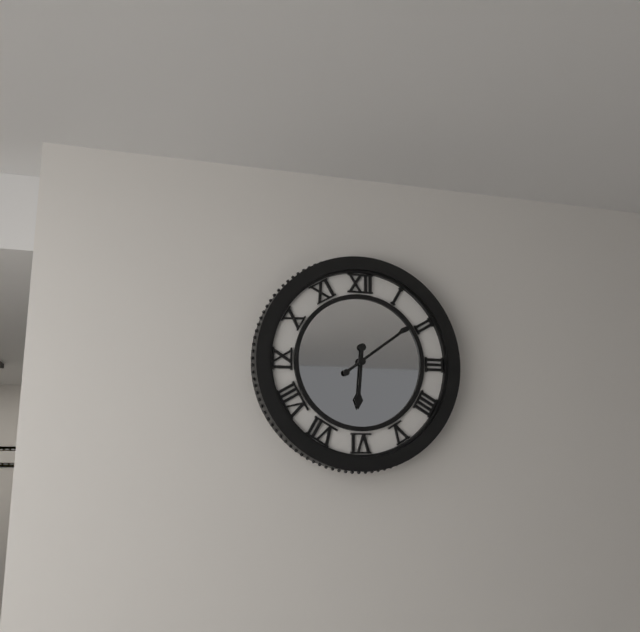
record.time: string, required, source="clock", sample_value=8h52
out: 6h09
